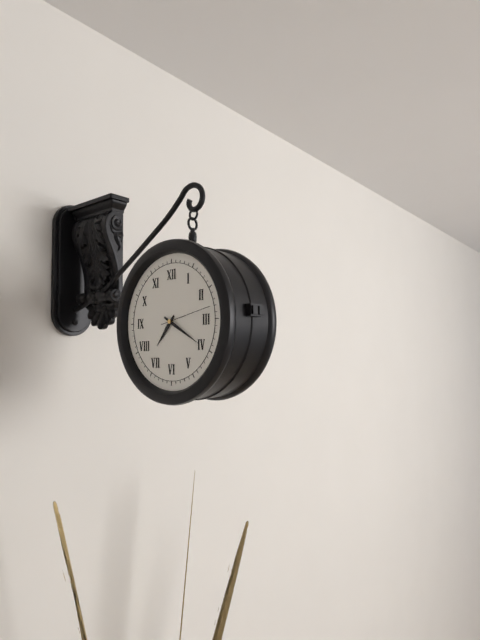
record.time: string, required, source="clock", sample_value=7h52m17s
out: 7h20m13s
